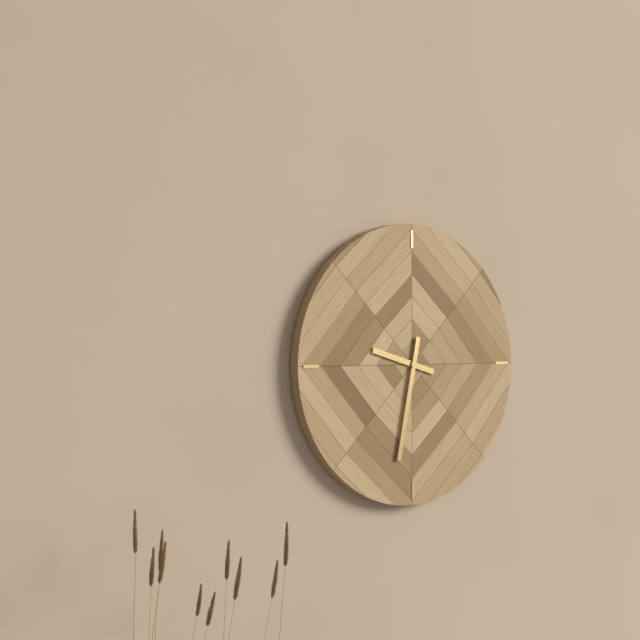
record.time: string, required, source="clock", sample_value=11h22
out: 9h32
